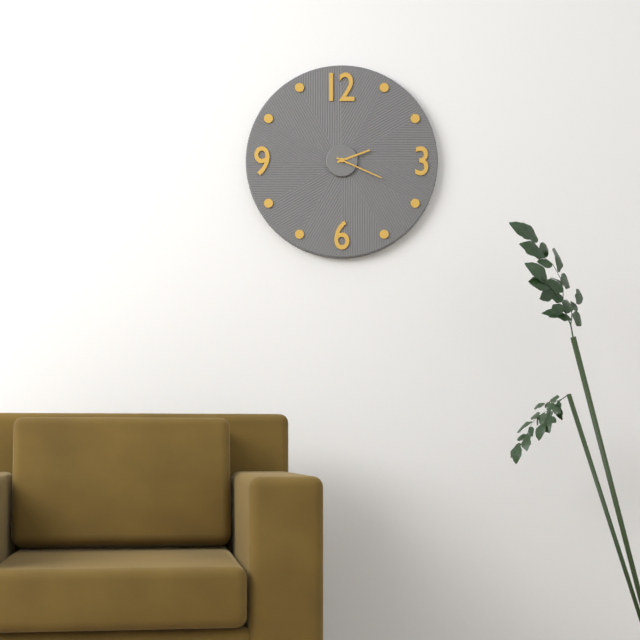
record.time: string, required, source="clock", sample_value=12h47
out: 2h19
